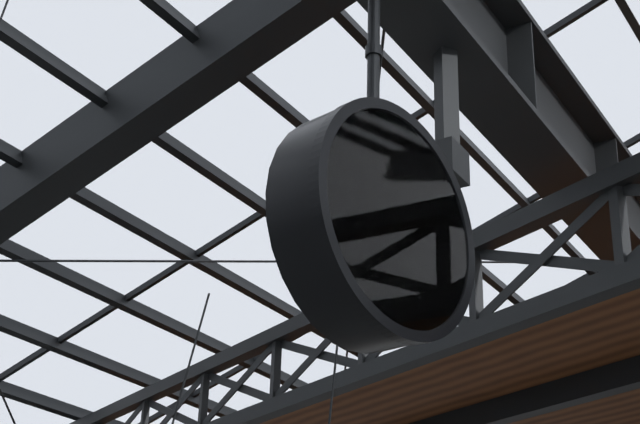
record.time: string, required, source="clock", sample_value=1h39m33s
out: 7h21m17s
